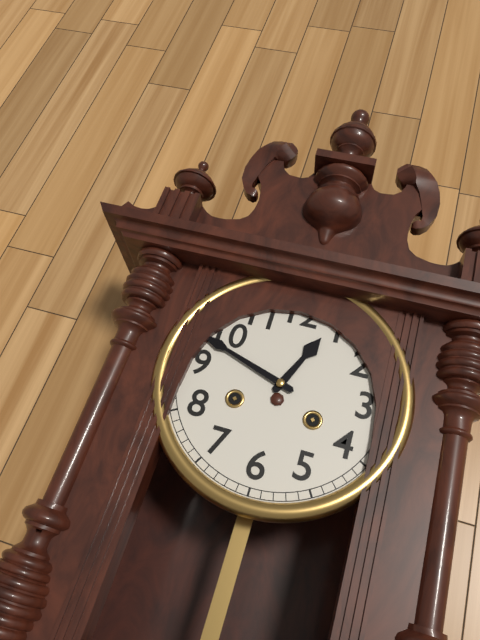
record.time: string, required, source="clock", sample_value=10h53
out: 12h48
